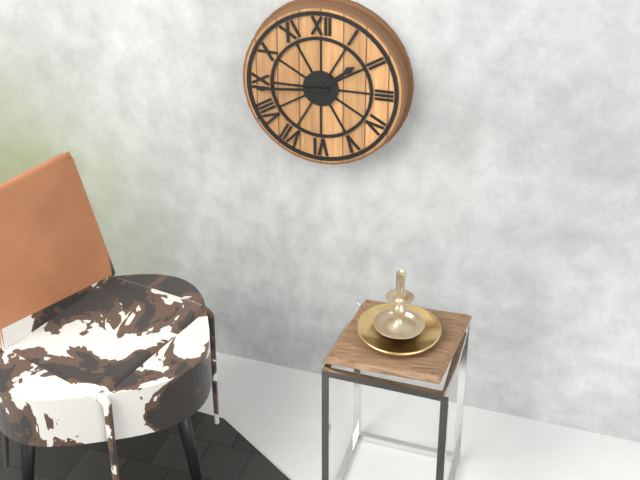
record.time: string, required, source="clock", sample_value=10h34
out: 1h44
